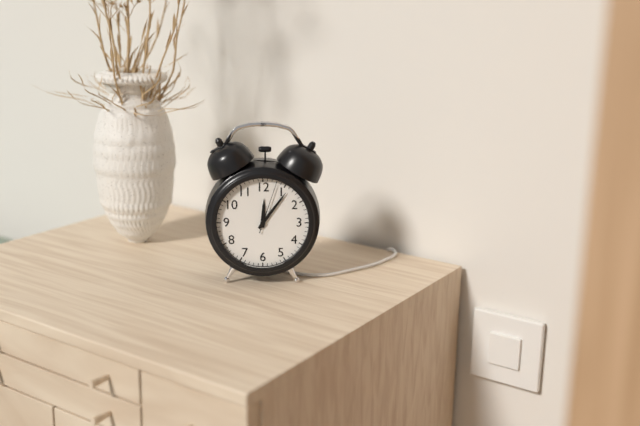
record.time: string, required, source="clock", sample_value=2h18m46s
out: 12h06m03s
